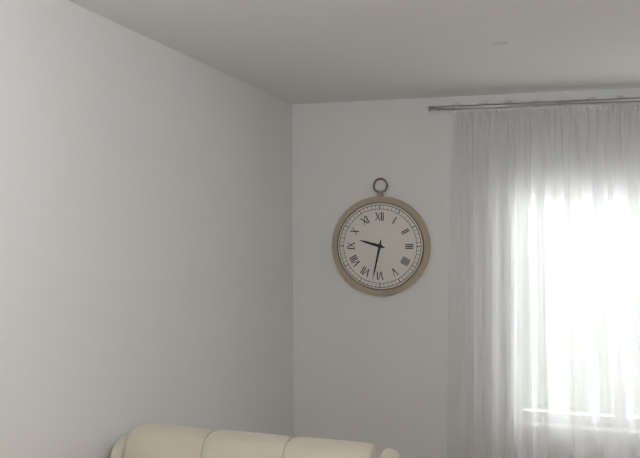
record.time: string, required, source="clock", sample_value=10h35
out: 9h32
